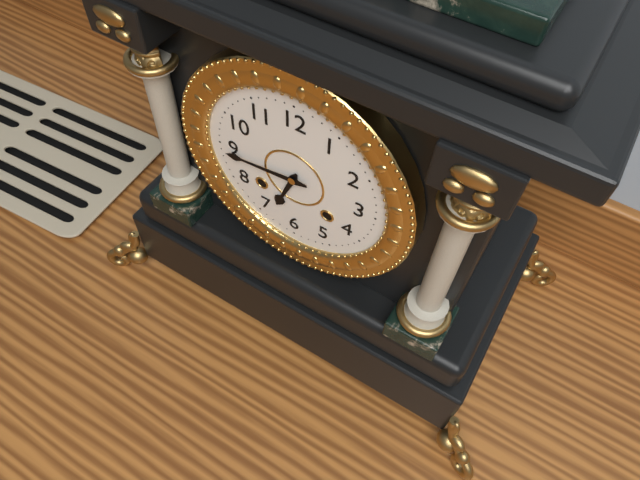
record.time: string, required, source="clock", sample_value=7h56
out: 6h44
